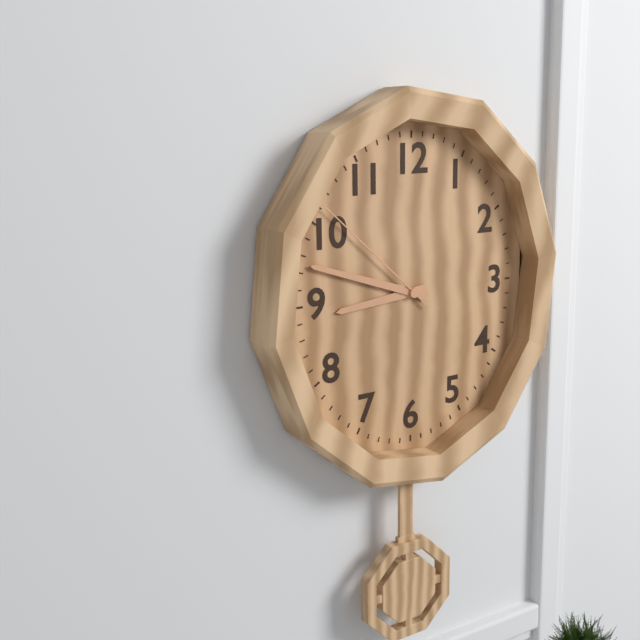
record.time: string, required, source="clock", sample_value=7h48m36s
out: 8h48m52s
